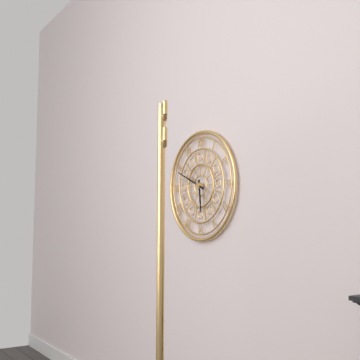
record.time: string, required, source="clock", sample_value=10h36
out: 5h49
